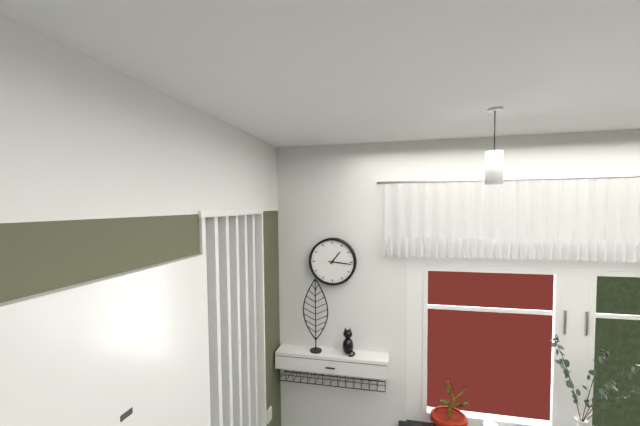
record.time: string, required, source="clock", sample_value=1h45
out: 1h16
